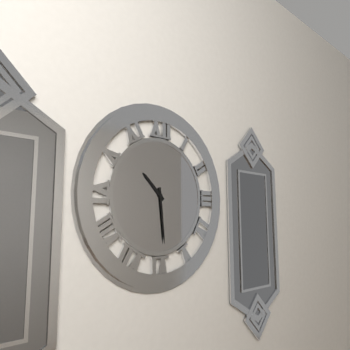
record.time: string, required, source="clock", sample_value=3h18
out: 10h29
